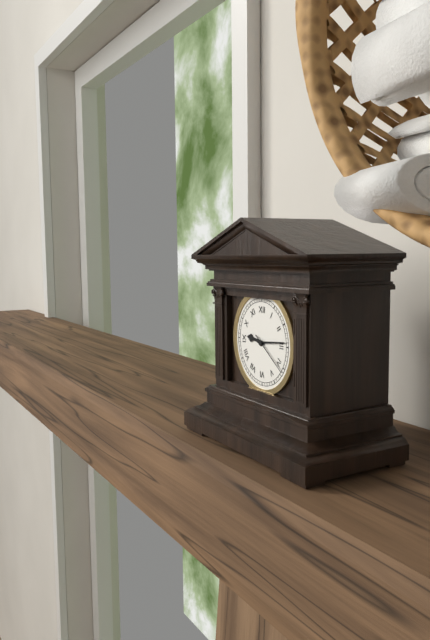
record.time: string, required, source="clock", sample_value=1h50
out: 9h14
